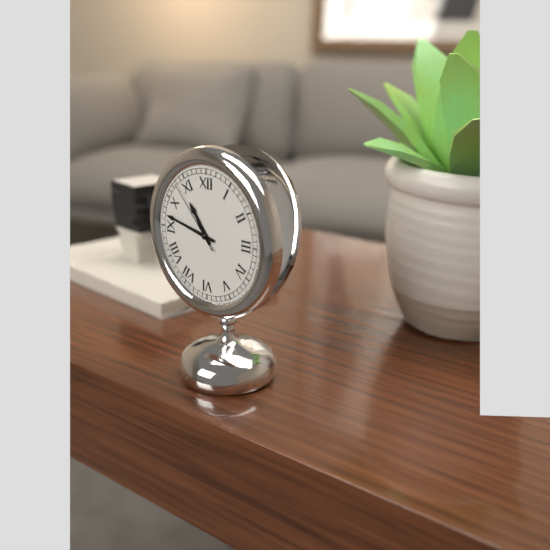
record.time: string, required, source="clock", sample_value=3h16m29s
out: 10h47m53s
